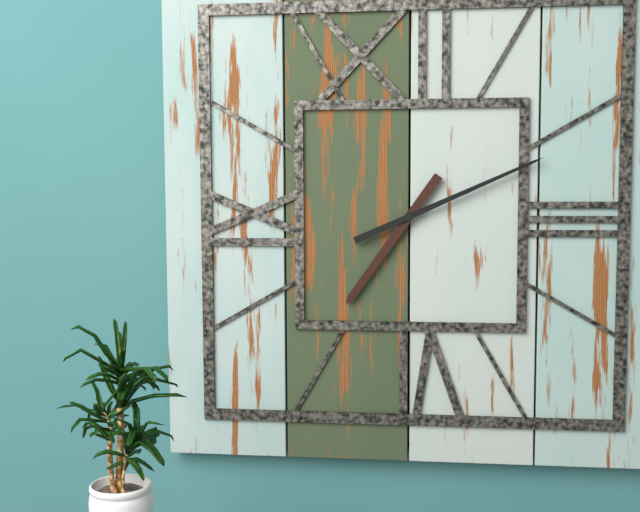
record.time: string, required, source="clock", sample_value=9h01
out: 7h11
